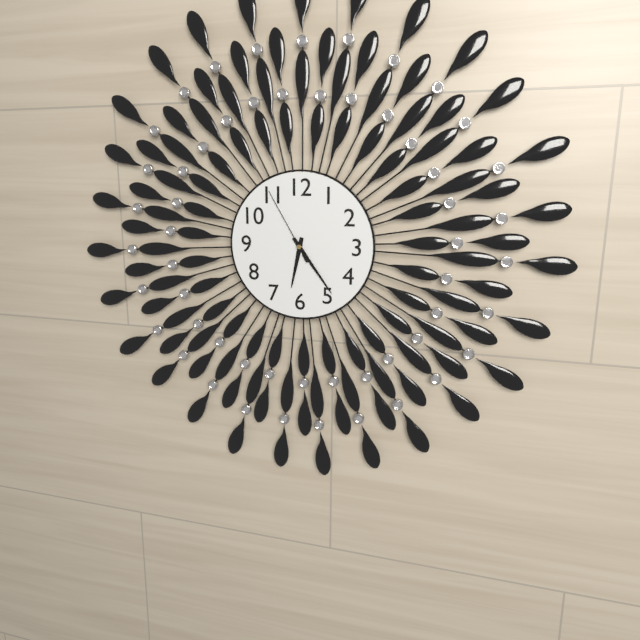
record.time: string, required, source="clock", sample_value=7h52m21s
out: 6h24m55s
